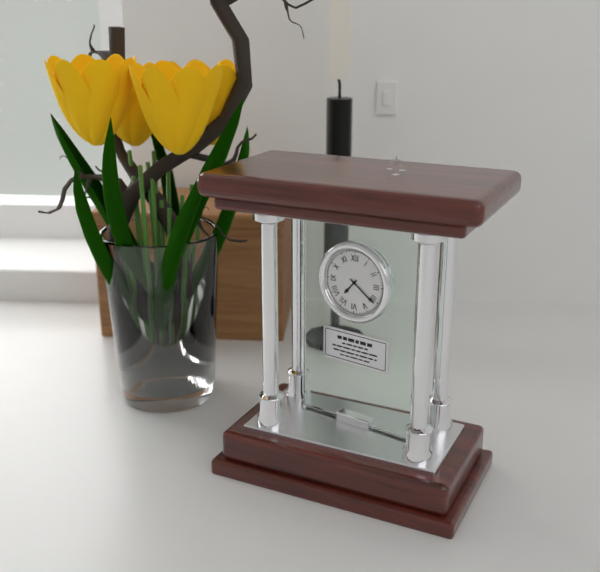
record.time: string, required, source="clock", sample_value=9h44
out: 7h21
